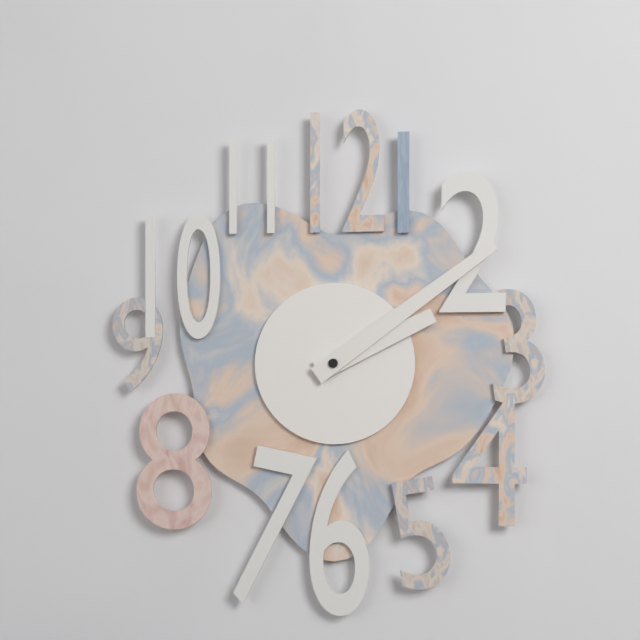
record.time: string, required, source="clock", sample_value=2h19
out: 2h09
